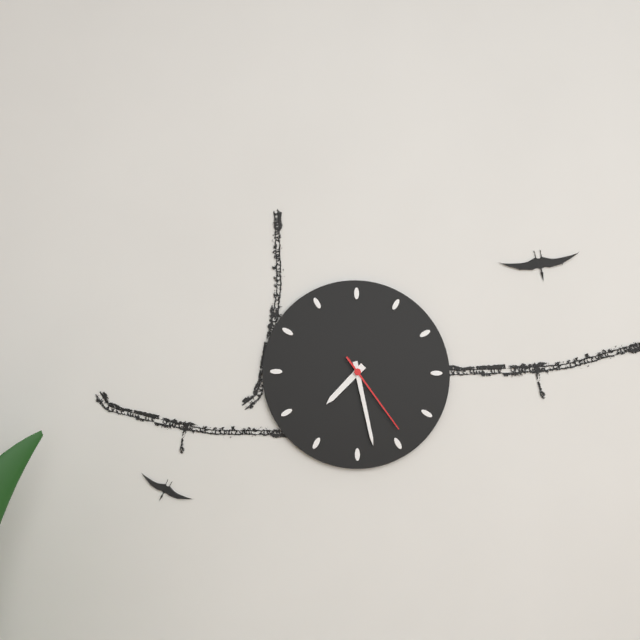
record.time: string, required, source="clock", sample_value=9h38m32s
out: 7h28m24s
